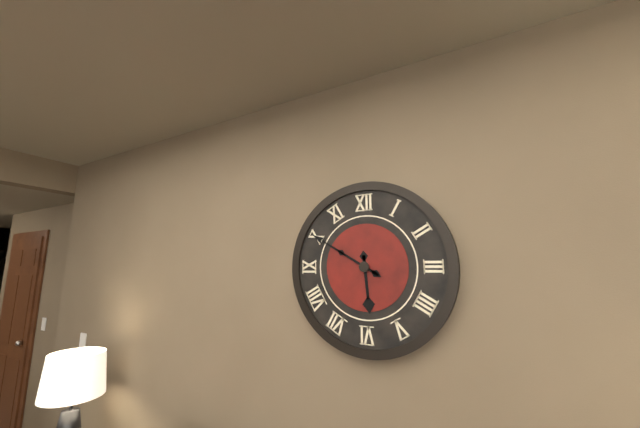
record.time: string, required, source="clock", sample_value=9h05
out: 5h50
